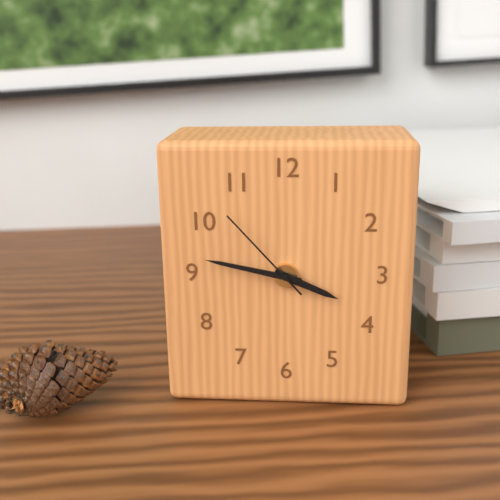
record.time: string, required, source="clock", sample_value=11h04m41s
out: 3h47m53s
